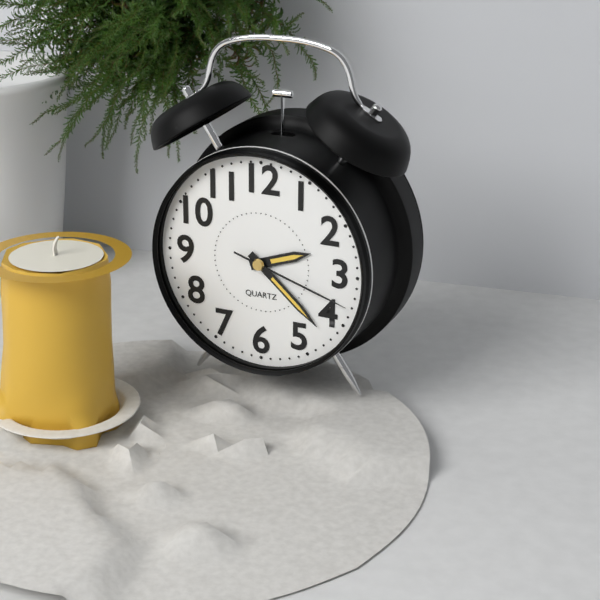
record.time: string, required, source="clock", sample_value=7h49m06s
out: 2h22m18s
